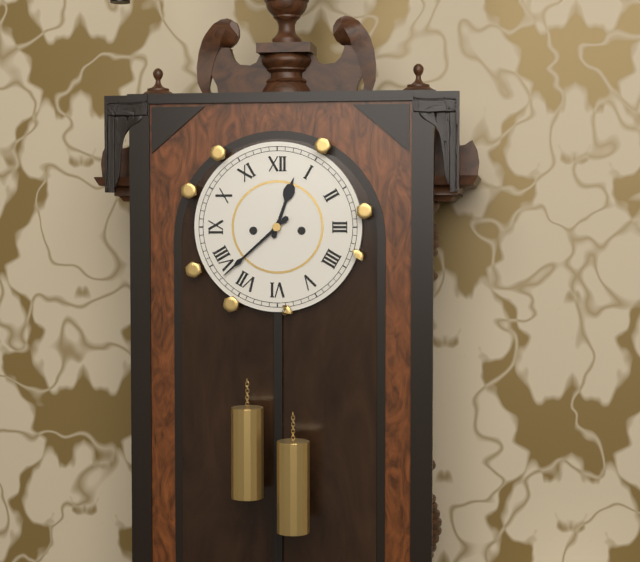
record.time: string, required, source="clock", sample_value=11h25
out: 12h38
